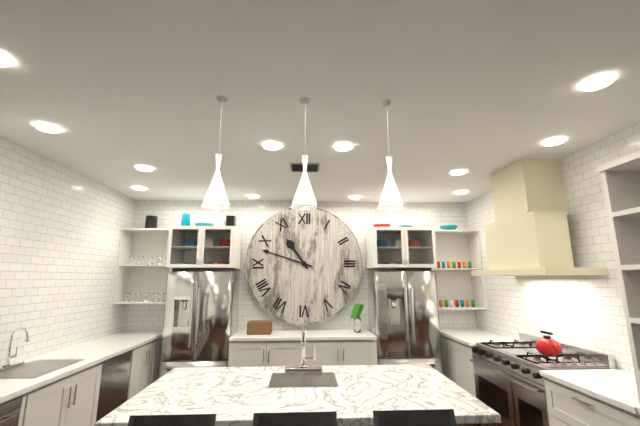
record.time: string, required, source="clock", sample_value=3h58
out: 10h48
